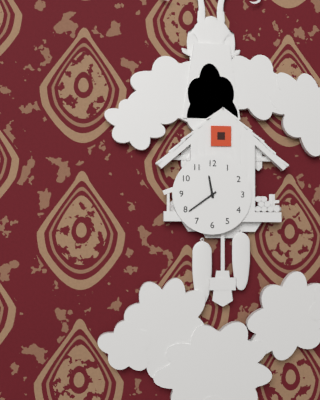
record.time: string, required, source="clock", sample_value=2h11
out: 11h39
